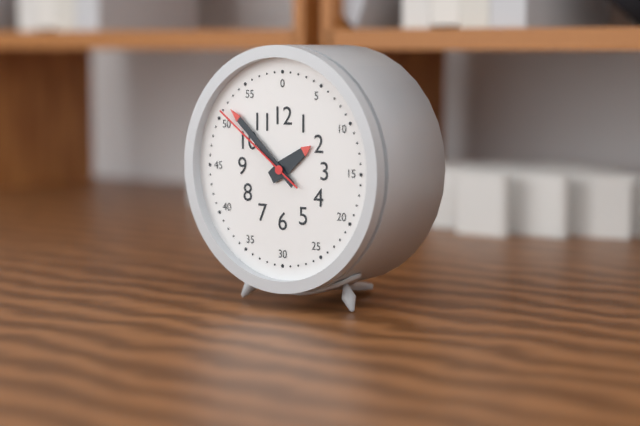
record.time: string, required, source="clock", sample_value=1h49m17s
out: 1h52m51s
